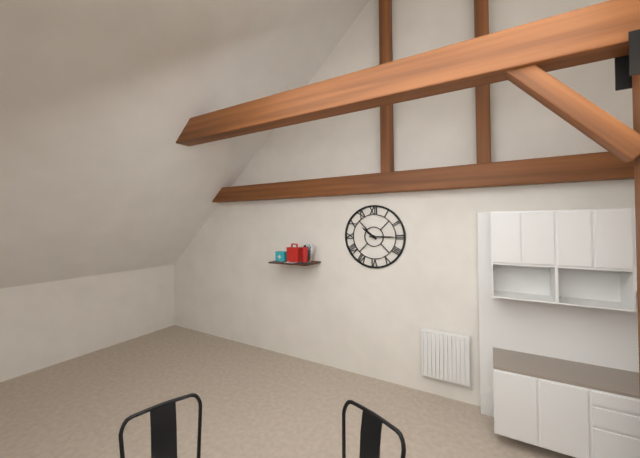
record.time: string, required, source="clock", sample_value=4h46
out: 10h15
